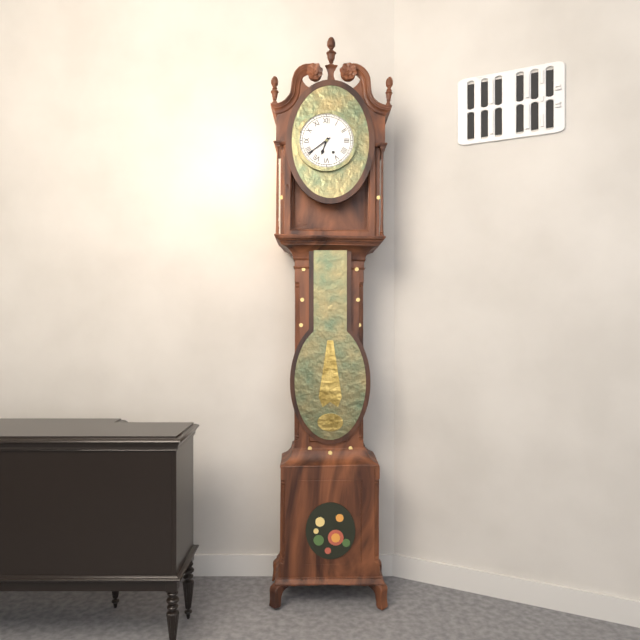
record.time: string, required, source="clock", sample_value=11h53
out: 6h39
